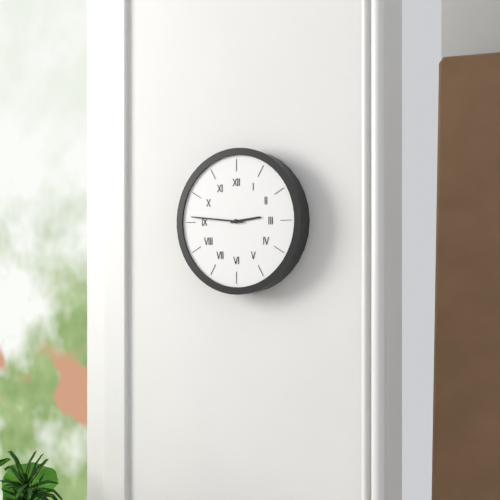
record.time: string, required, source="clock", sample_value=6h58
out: 2h46
